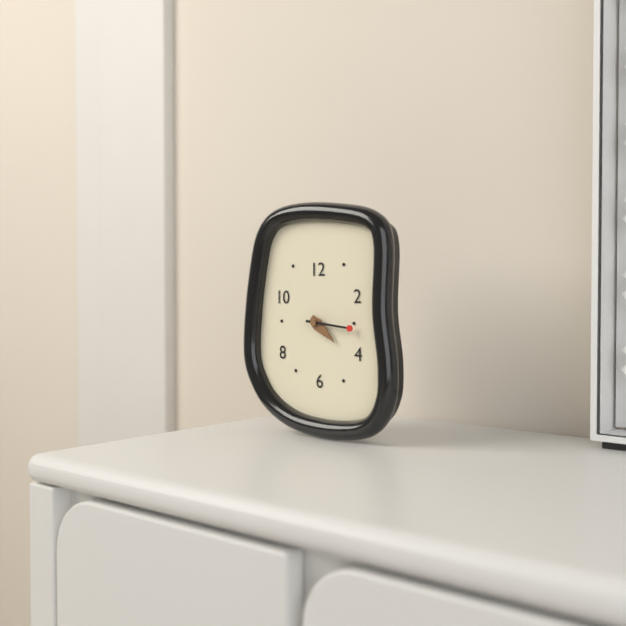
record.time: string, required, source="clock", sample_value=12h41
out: 4h16
